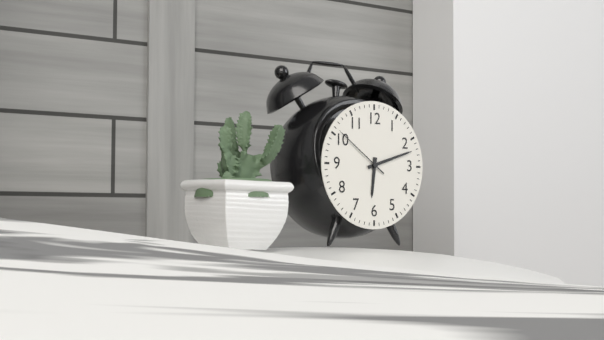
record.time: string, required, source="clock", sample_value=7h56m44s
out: 6h12m51s
